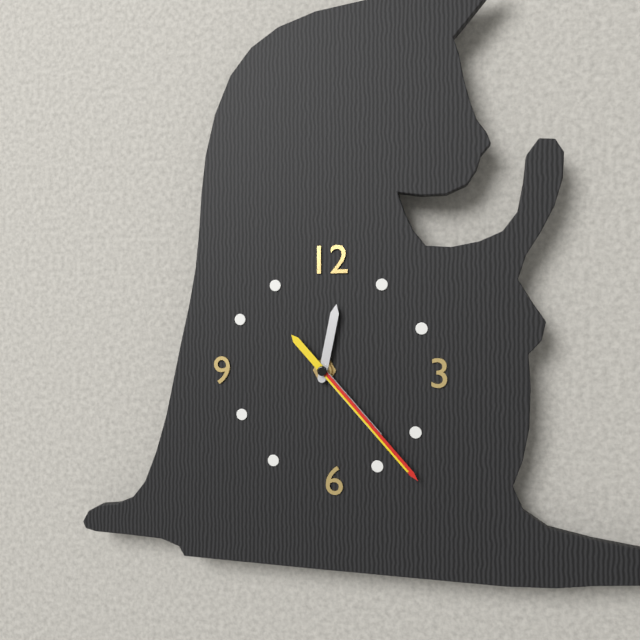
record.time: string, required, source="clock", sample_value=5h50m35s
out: 12h23m23s
